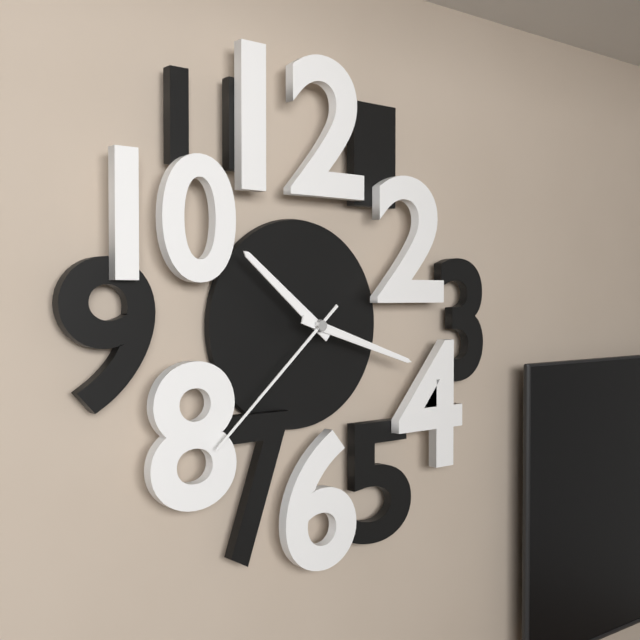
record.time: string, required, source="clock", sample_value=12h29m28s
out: 10h18m38s
